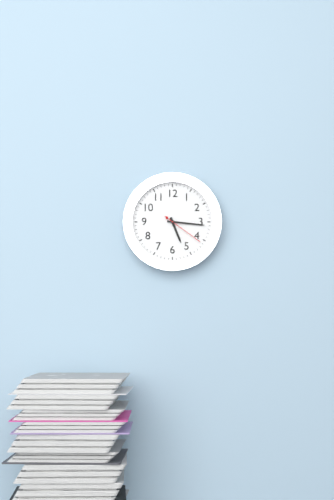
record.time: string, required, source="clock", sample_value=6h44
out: 5h16
